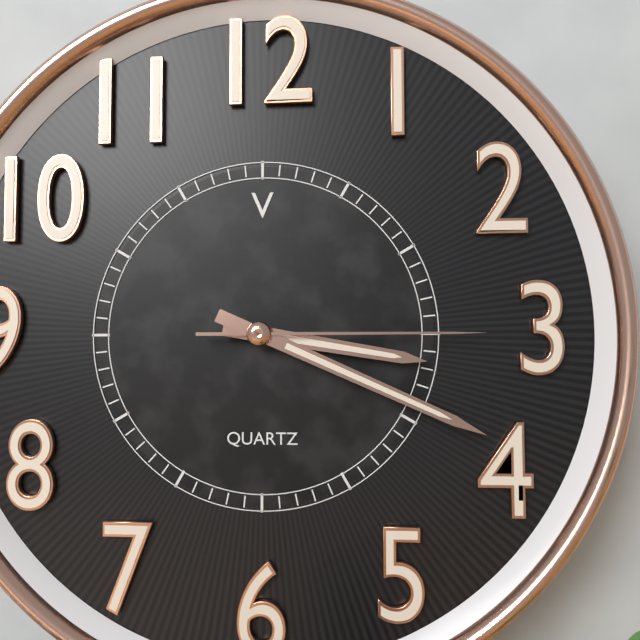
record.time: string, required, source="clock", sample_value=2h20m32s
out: 3h19m15s
